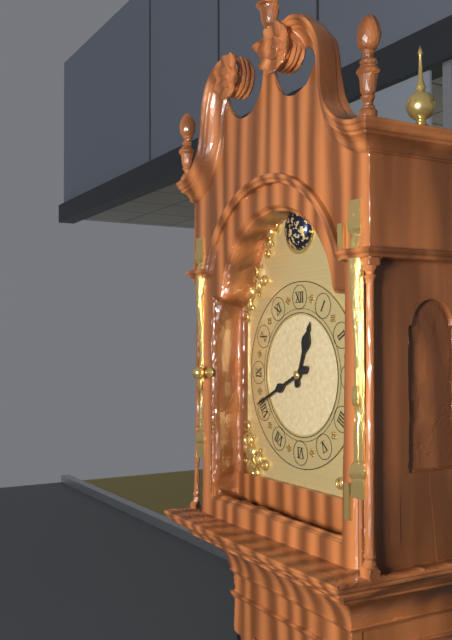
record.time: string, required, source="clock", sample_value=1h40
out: 12h41
